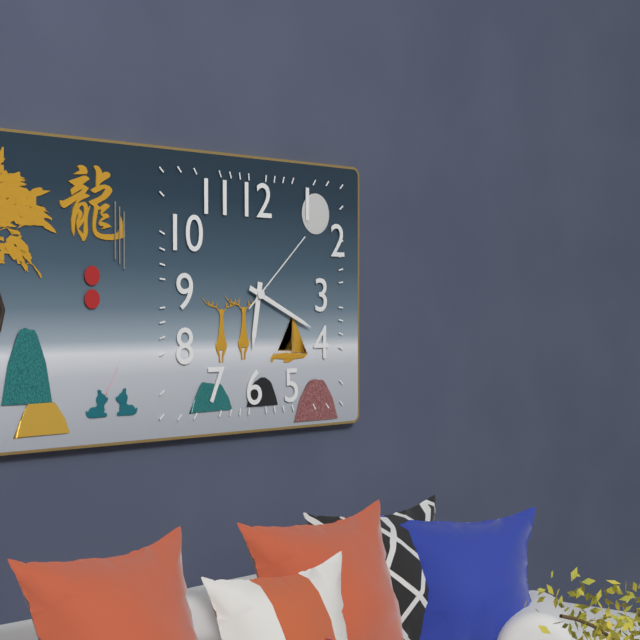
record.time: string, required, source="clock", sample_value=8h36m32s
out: 6h19m08s
